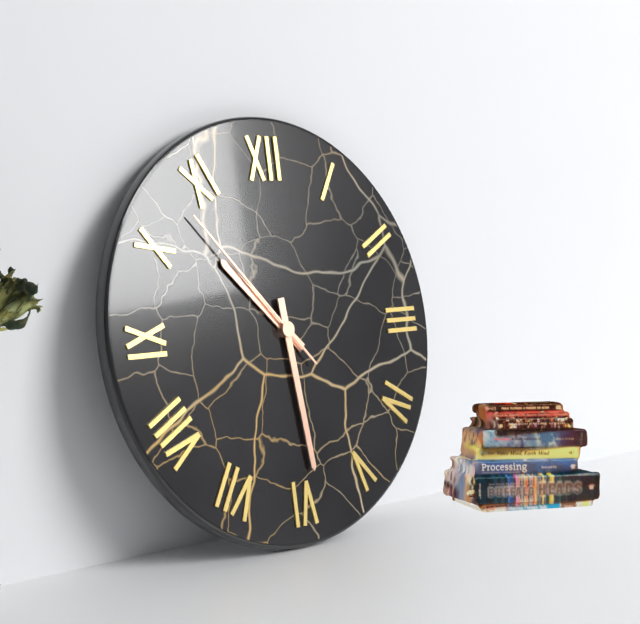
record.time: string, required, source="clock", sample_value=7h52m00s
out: 10h29m53s
